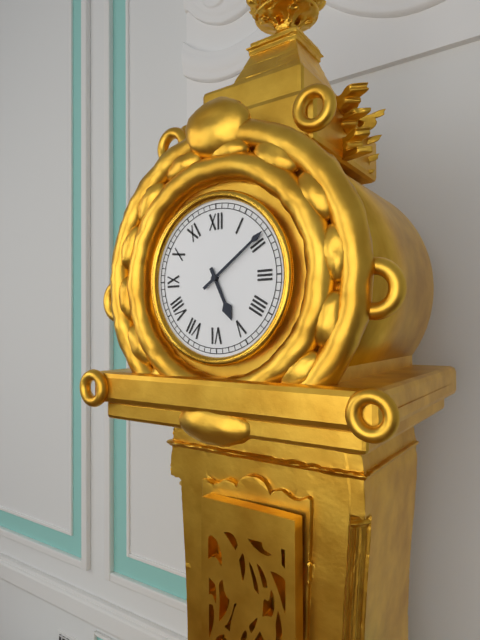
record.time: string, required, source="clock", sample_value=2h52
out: 5h09
